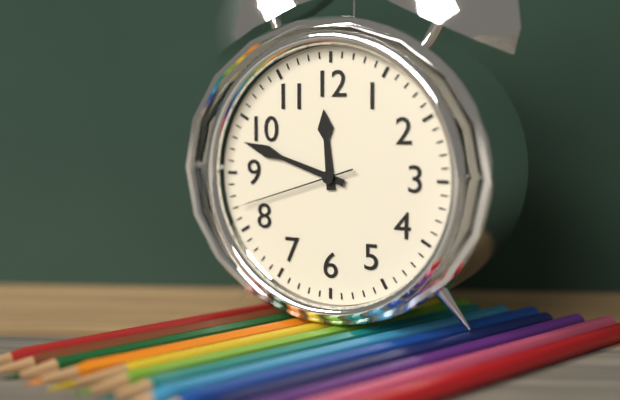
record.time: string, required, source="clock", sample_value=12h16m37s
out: 11h48m42s
